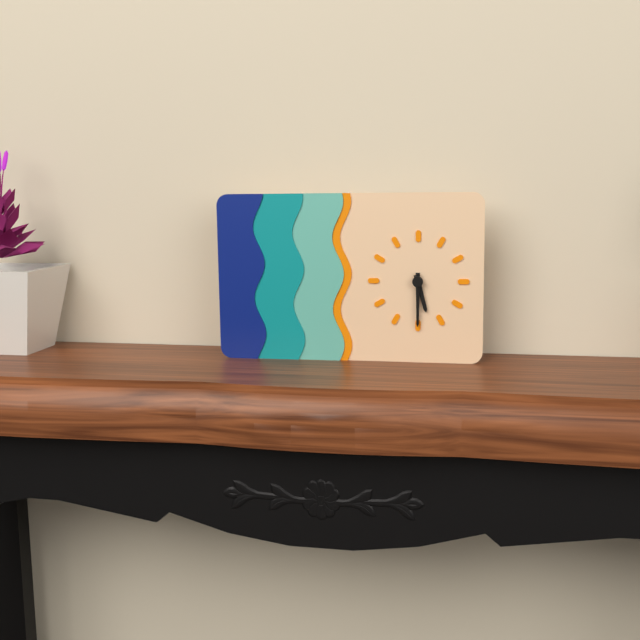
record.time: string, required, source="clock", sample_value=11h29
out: 5h30
